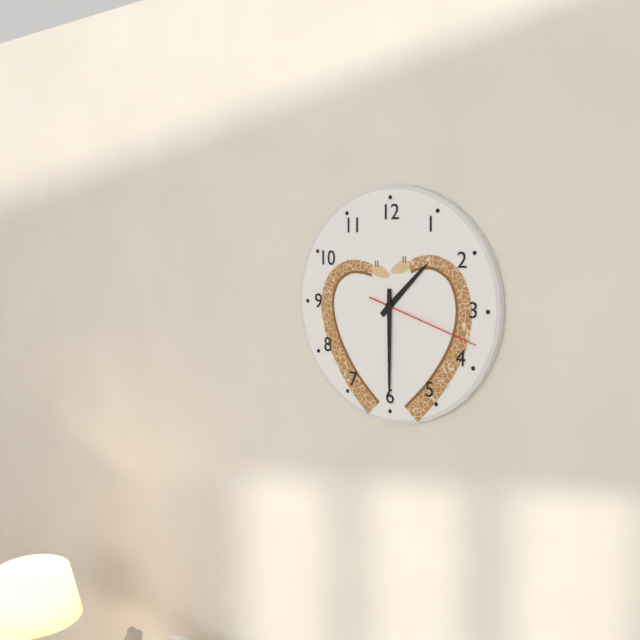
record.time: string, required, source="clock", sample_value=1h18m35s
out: 1h30m18s
